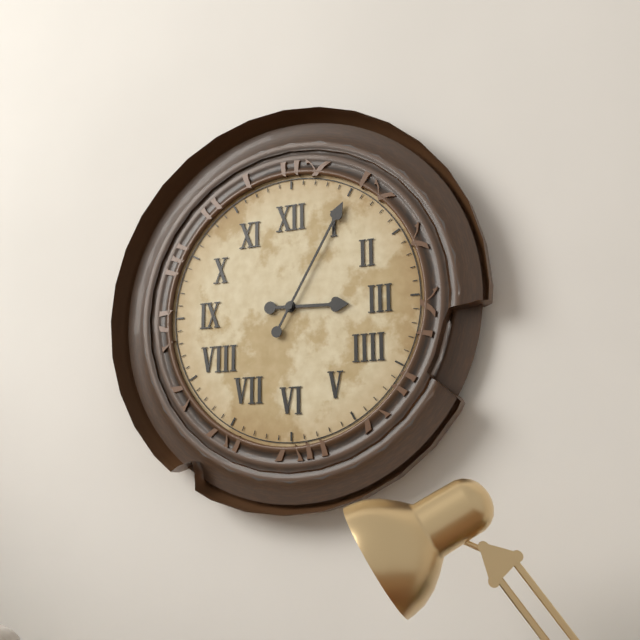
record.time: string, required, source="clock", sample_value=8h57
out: 3h05
